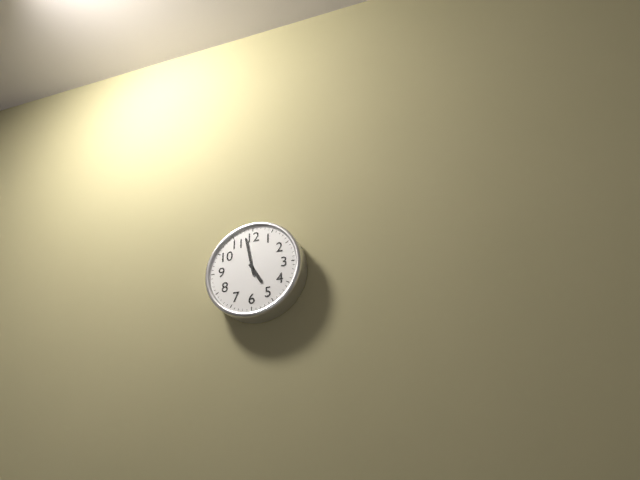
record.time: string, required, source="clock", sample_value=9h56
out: 4h58
